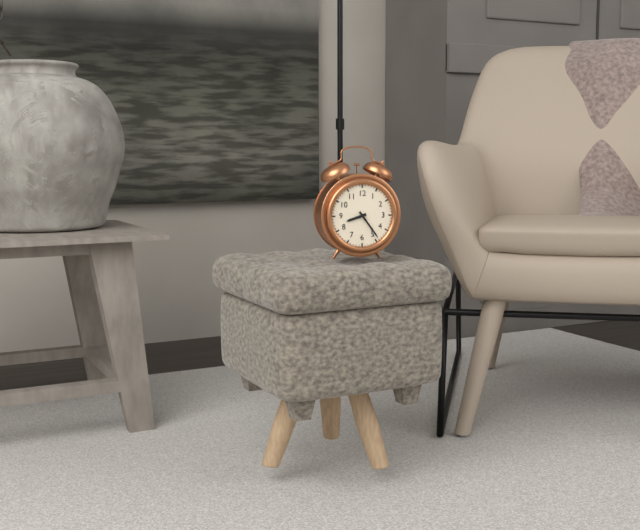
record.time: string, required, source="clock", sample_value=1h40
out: 8h24
